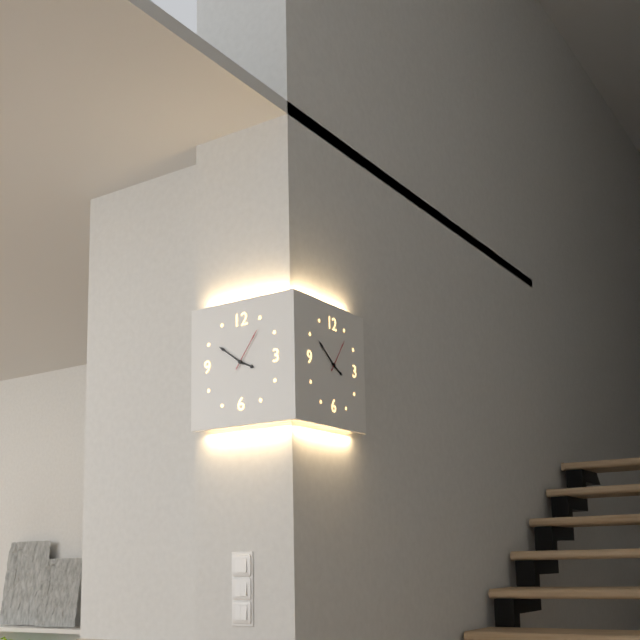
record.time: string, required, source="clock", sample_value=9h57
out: 3h51
